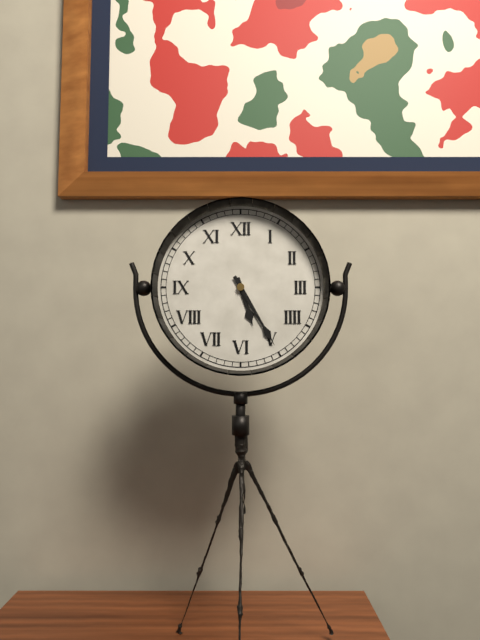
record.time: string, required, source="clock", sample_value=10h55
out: 5h25
